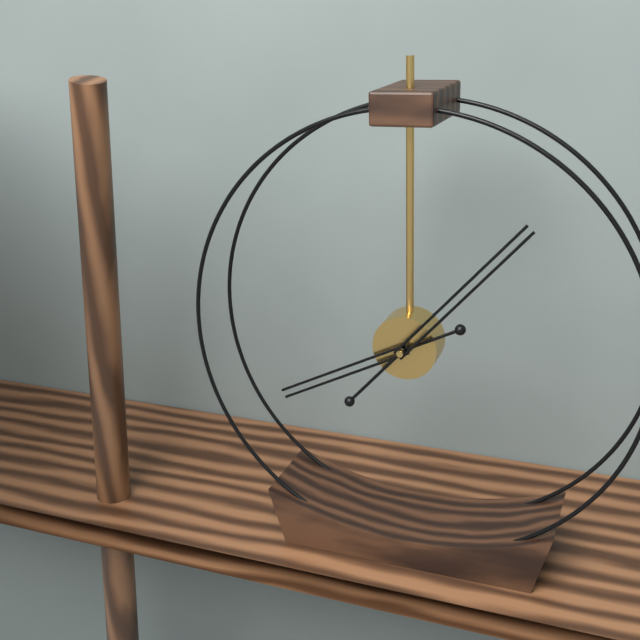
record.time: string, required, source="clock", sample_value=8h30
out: 8h07
